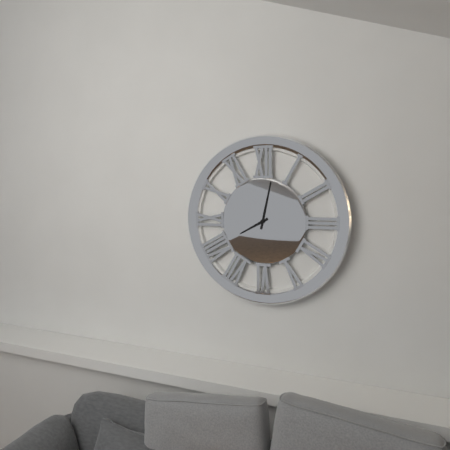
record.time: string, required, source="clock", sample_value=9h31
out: 8h02
